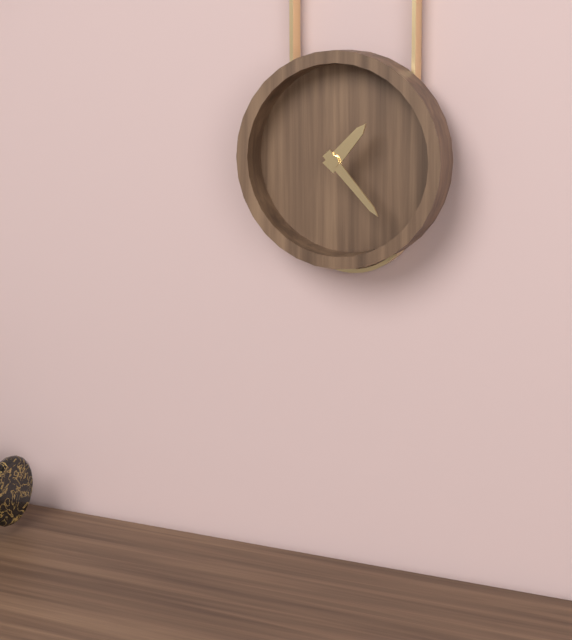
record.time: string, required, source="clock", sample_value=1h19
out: 1h23
